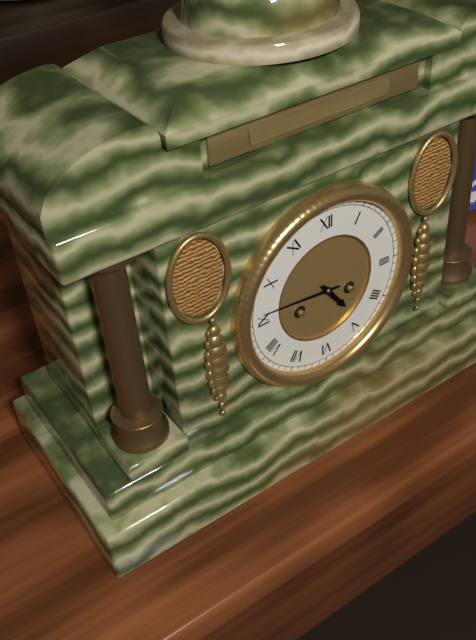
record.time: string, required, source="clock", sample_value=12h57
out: 4h46
